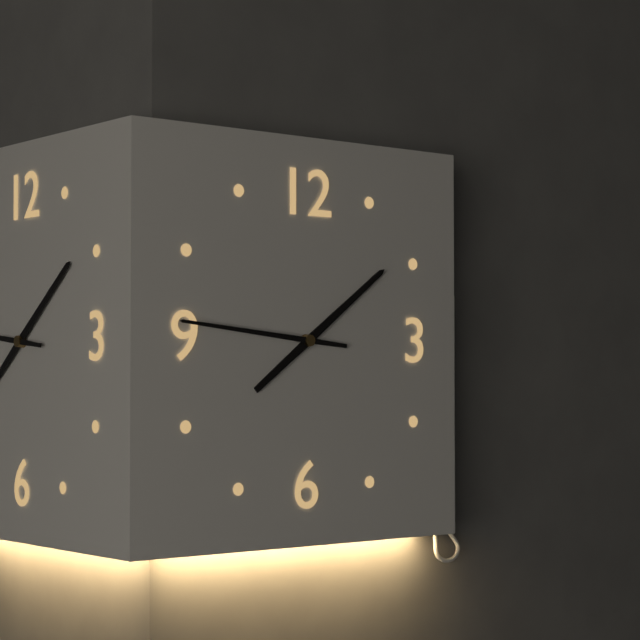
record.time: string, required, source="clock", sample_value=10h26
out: 1h46
